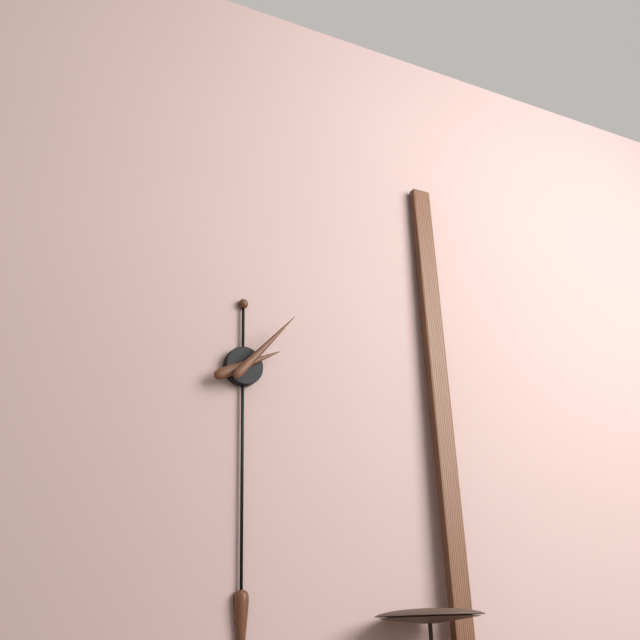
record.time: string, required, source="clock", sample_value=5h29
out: 2h07
